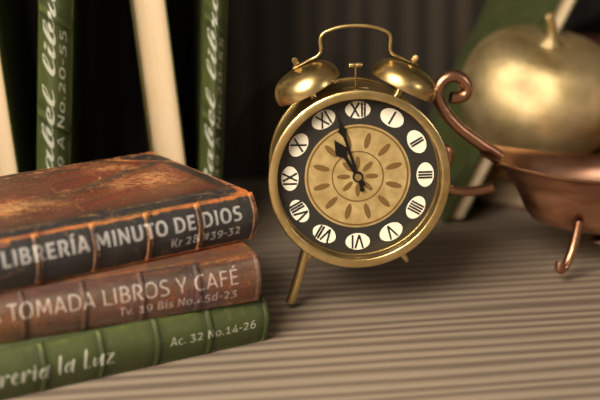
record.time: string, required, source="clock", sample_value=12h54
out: 10h57
